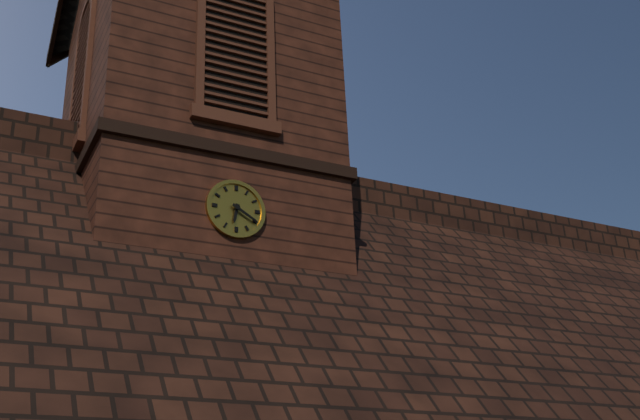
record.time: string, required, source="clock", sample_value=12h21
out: 6h20
